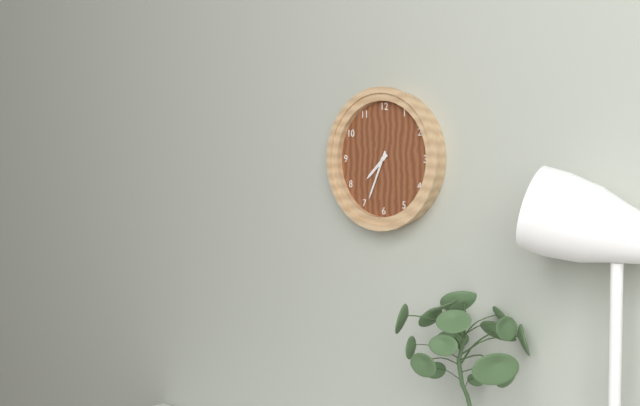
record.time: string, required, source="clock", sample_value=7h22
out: 7h34
